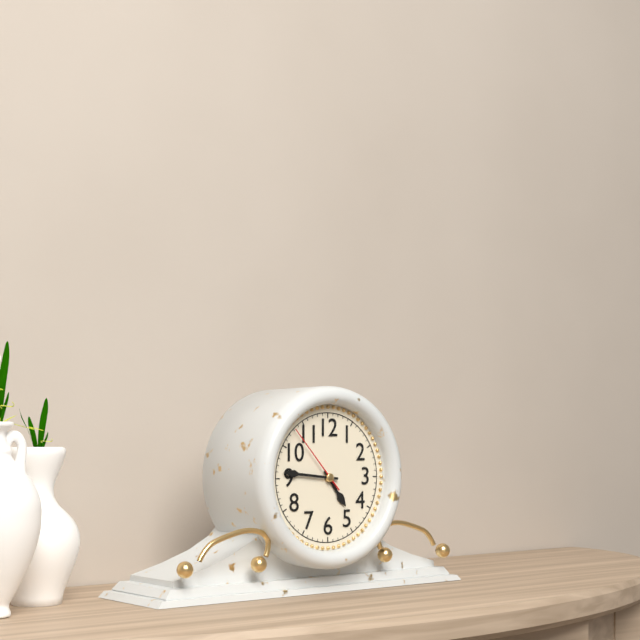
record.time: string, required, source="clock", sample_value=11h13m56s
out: 4h46m53s
